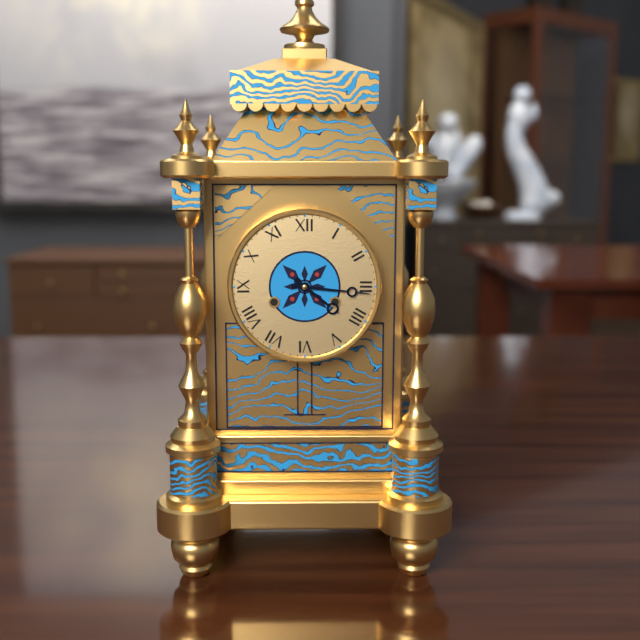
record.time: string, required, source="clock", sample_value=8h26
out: 4h16
